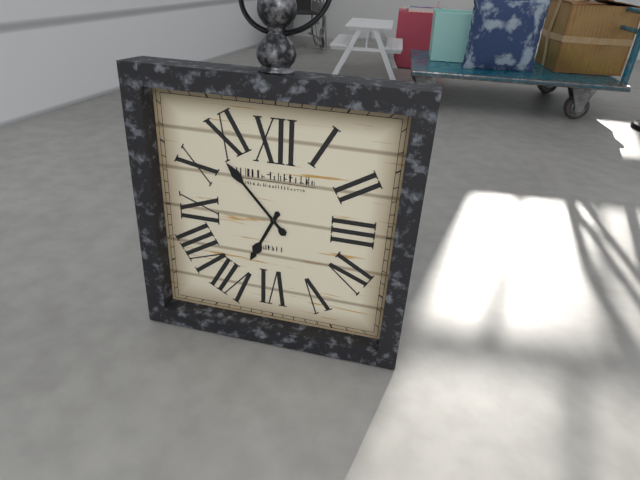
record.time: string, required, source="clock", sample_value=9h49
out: 6h53
